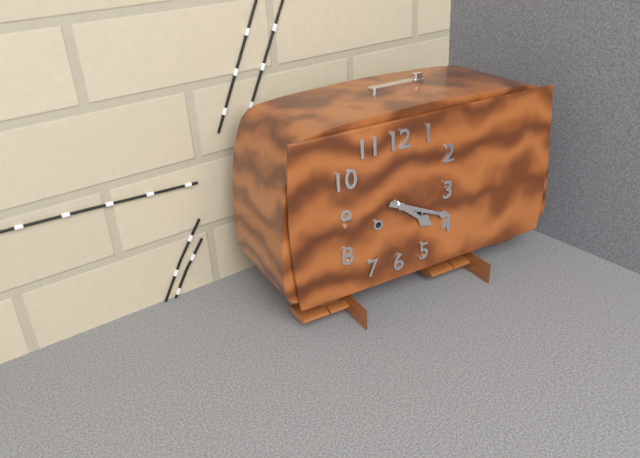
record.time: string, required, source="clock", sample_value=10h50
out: 4h19
